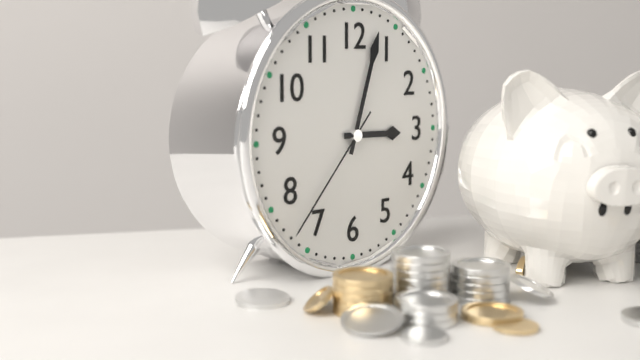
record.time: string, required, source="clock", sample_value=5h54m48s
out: 3h03m37s
